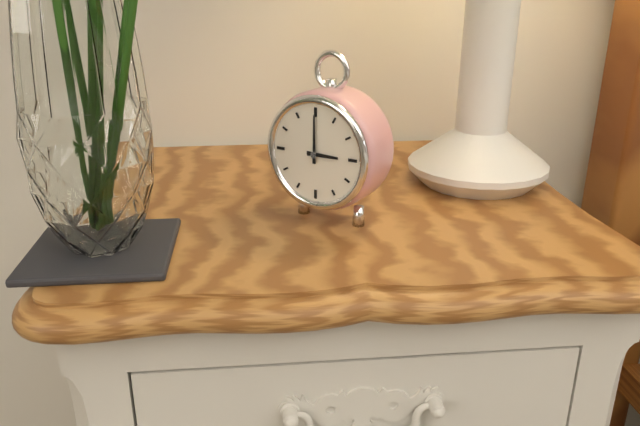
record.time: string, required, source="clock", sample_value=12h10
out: 3h00
